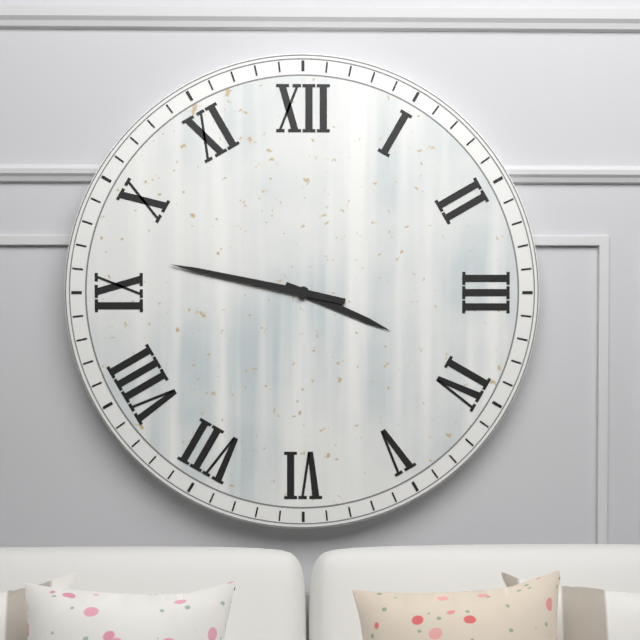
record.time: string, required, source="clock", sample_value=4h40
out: 3h47
